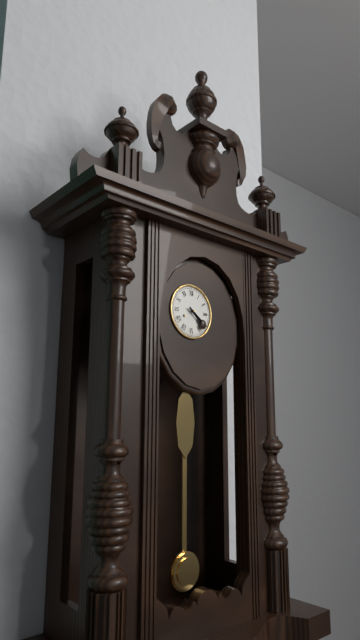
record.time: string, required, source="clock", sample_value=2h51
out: 4h21
